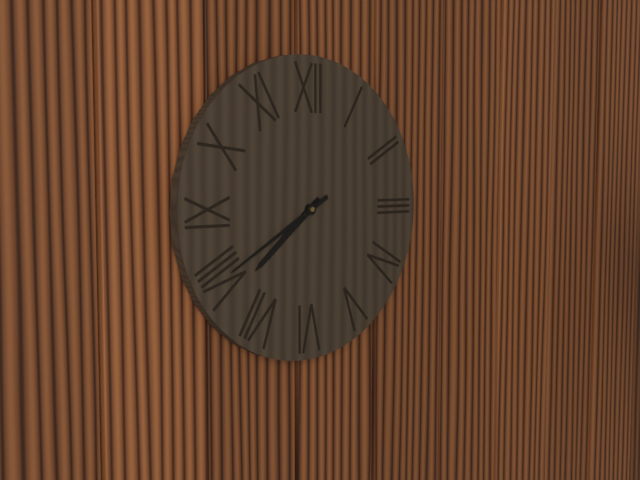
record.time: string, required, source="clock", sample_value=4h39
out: 7h40
